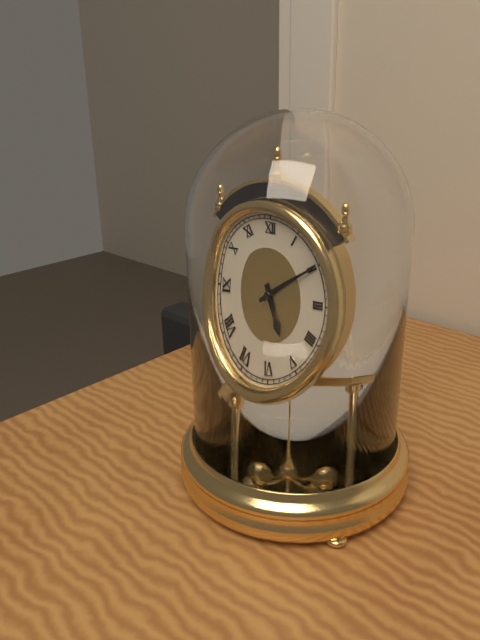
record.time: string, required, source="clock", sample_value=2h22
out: 5h10
